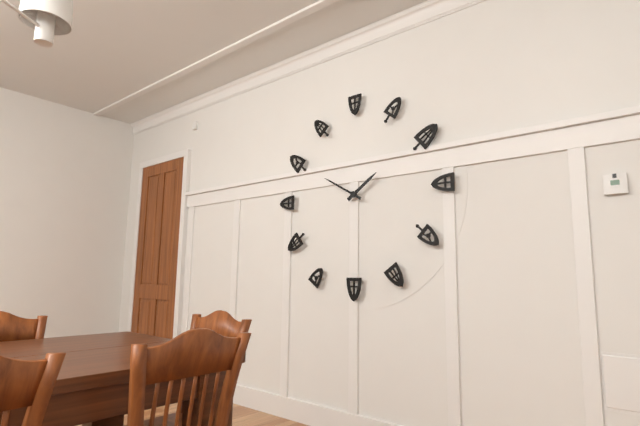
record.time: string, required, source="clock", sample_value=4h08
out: 1h50
